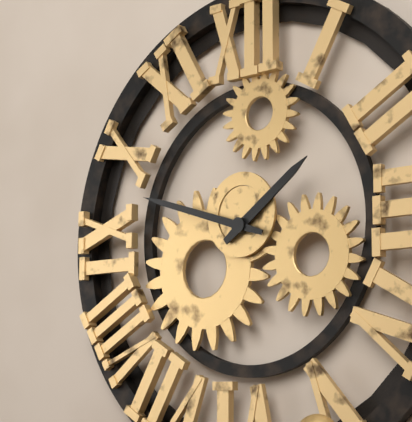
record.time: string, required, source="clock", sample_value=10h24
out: 1h48
